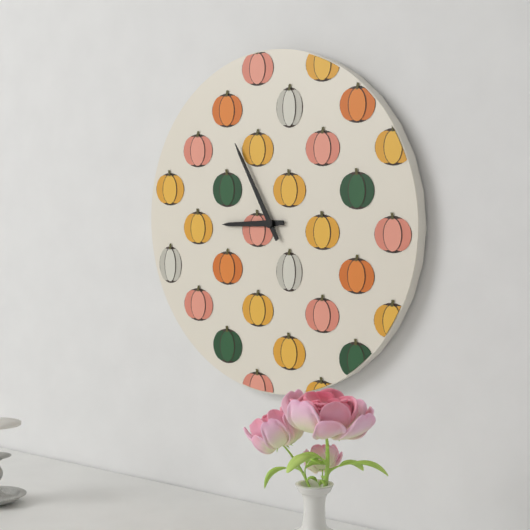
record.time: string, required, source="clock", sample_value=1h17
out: 8h55
